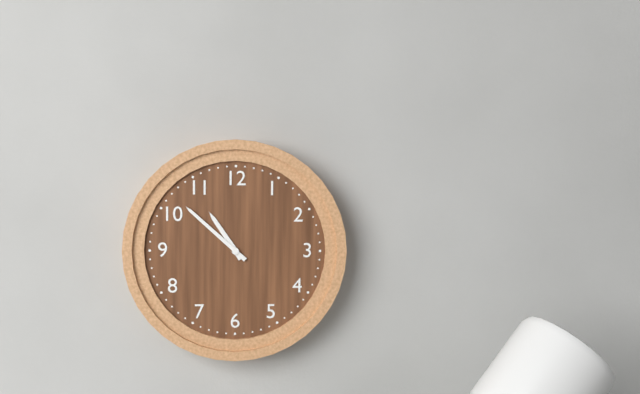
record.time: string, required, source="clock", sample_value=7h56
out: 10h52
